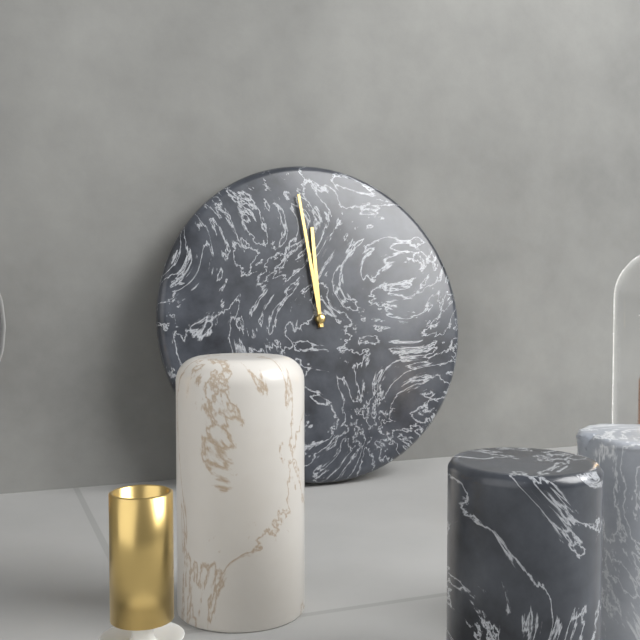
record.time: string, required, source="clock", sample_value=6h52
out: 11h59
